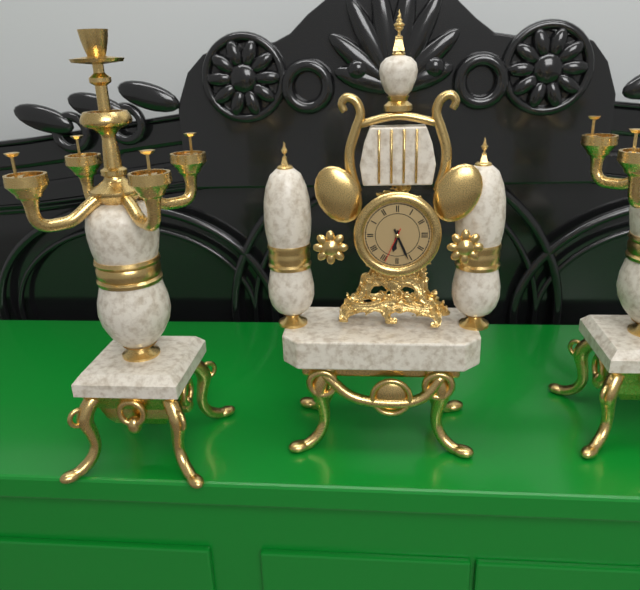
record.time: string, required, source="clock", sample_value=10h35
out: 6h26
